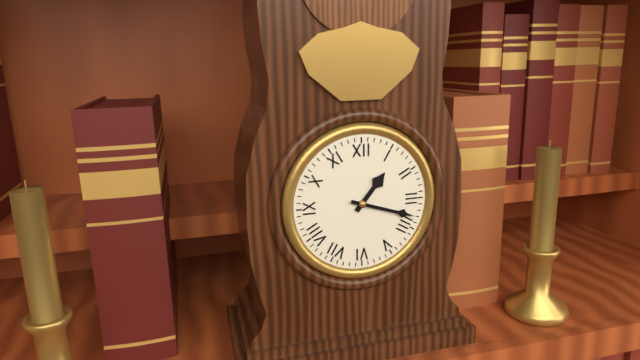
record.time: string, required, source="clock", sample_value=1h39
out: 1h18
